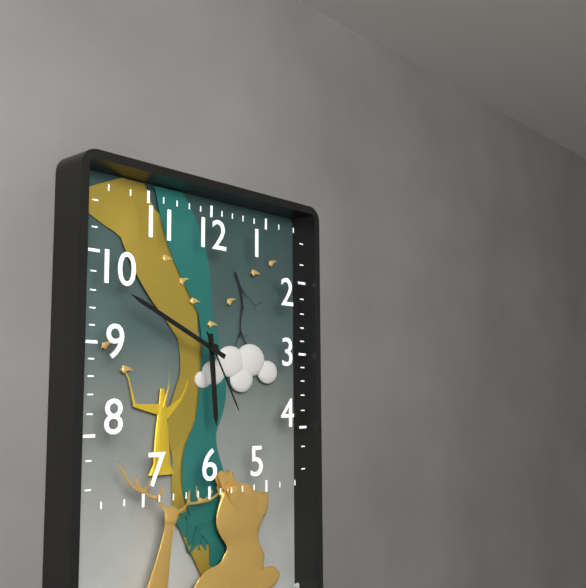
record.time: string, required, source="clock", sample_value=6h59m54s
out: 5h49m25s
